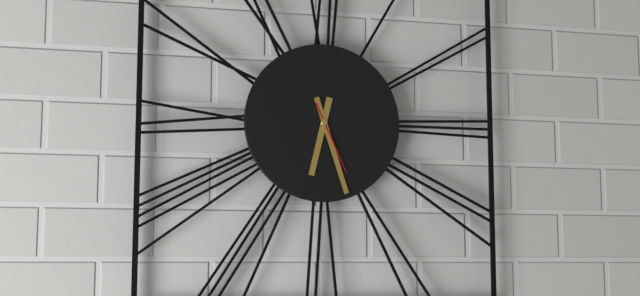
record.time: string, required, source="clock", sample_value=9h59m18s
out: 6h27m26s
